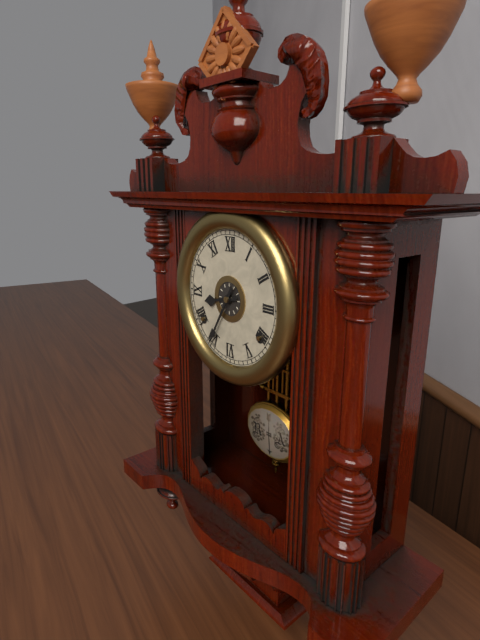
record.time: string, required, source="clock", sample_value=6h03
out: 8h35
